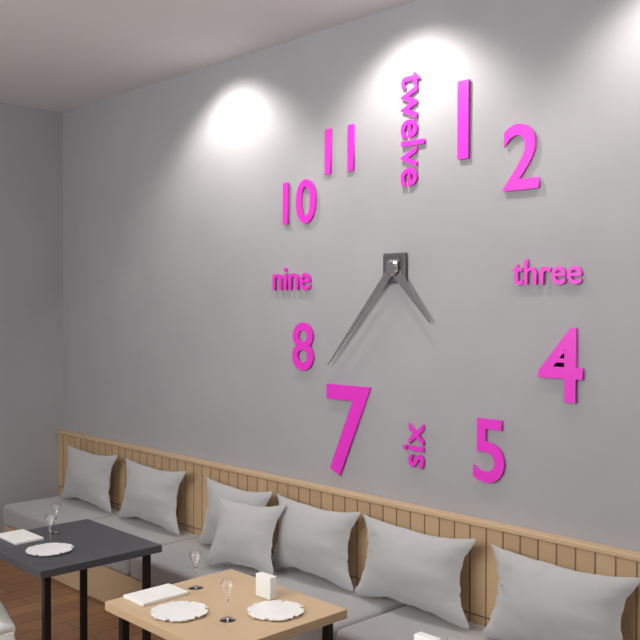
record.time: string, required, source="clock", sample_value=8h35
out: 4h37
